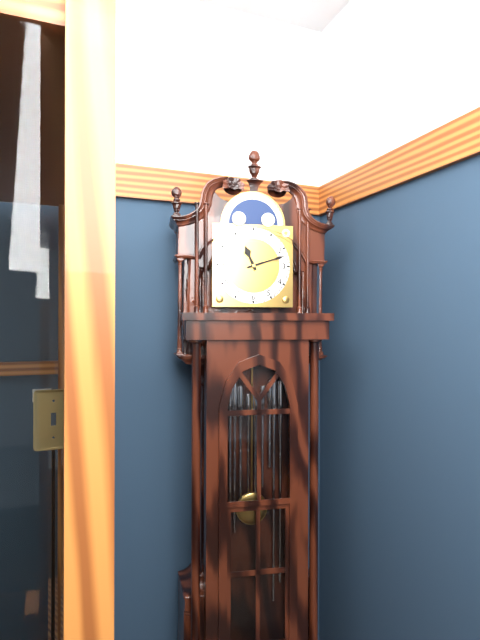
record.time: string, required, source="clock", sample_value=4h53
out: 11h12
